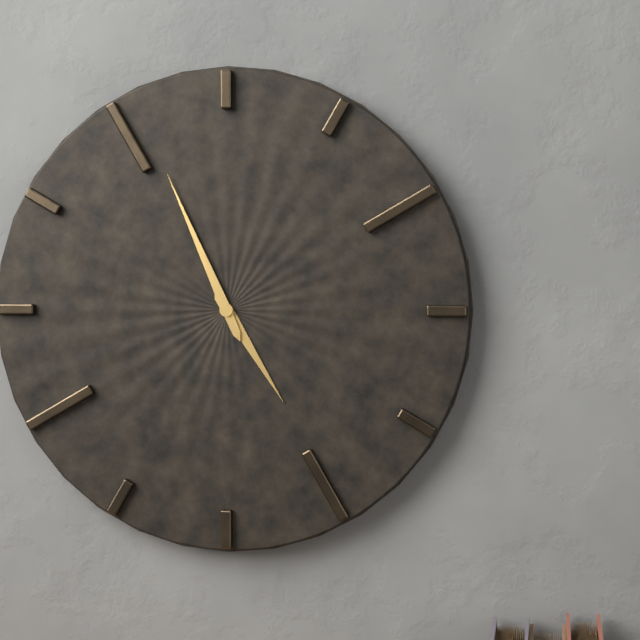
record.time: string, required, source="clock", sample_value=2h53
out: 4h56
